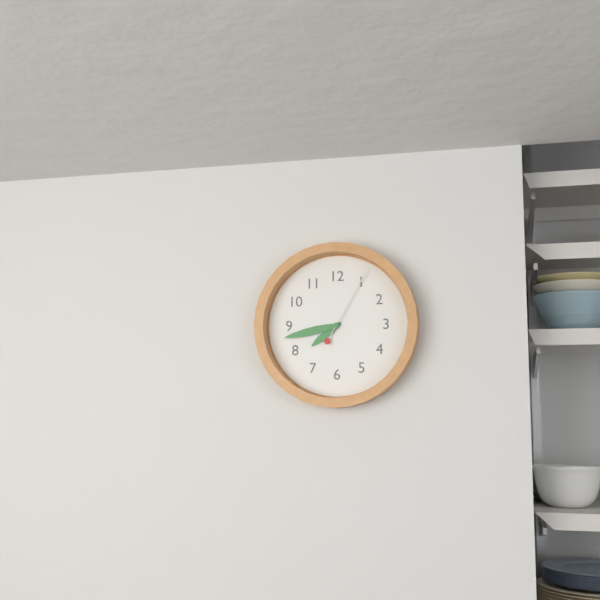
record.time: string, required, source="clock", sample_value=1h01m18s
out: 7h43m05s
